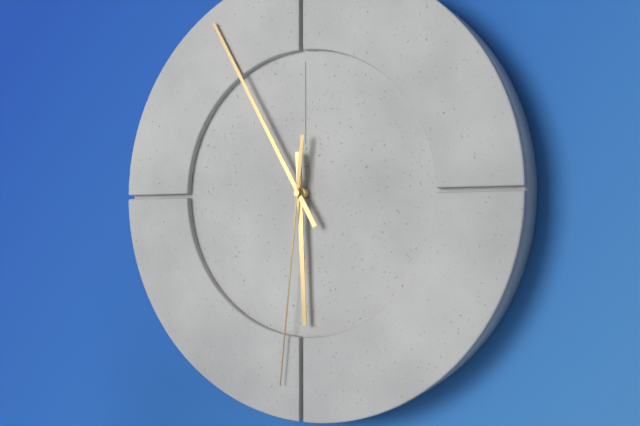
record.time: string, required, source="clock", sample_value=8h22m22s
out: 5h55m31s
